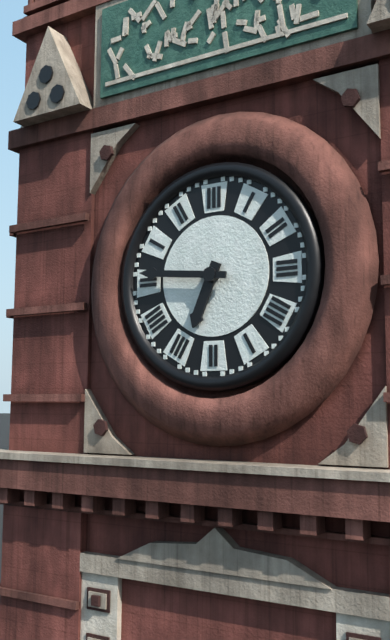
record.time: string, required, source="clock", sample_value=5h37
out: 6h46
